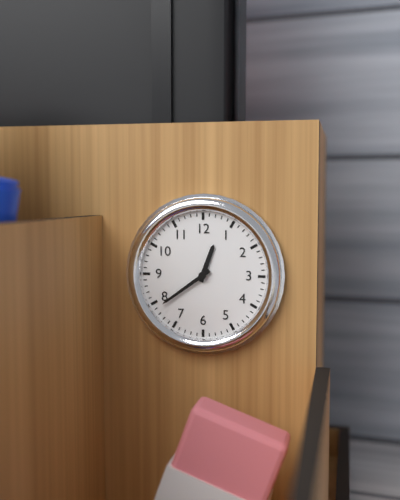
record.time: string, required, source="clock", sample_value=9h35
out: 12h39
